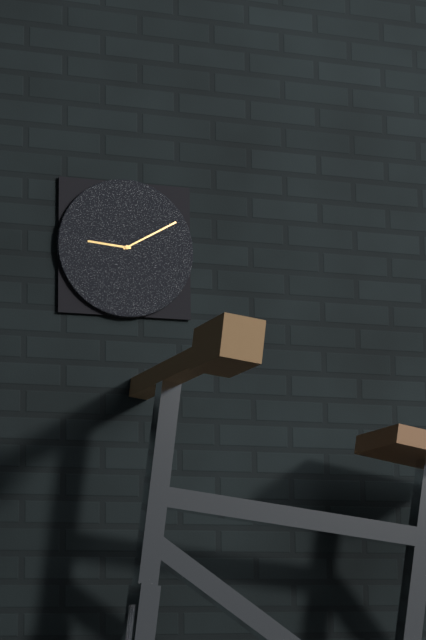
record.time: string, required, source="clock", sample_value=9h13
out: 9h10
